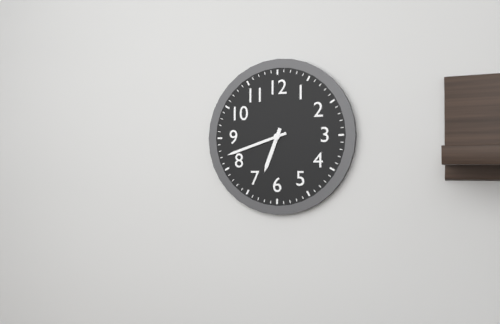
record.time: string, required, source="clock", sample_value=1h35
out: 6h42
